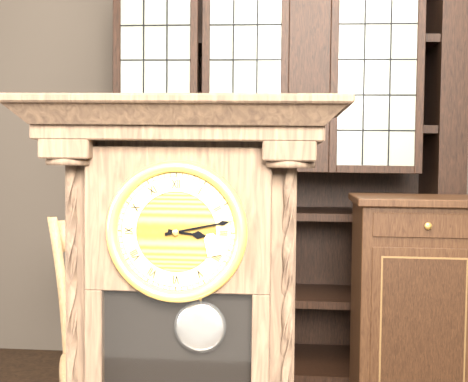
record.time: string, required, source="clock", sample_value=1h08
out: 3h13
